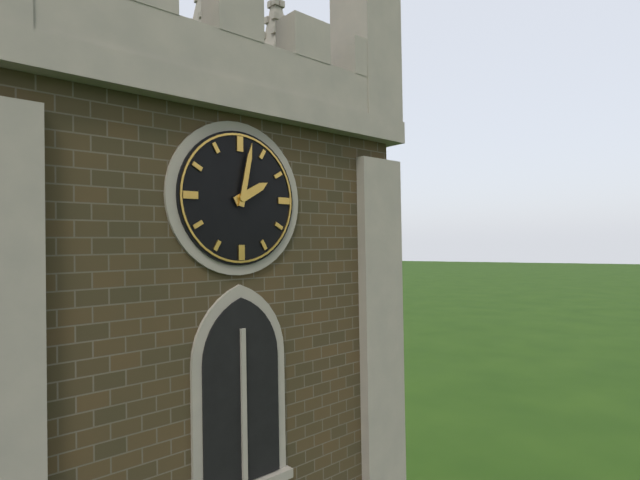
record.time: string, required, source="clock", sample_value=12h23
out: 2h02
